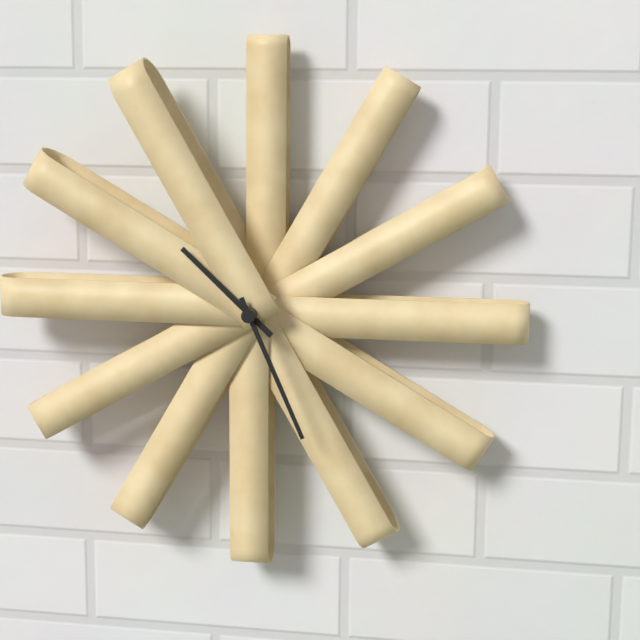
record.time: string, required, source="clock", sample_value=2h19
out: 10h26
